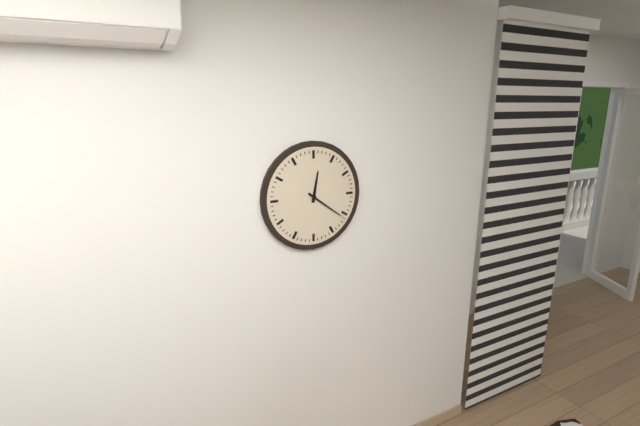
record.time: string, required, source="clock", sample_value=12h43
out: 12h21
